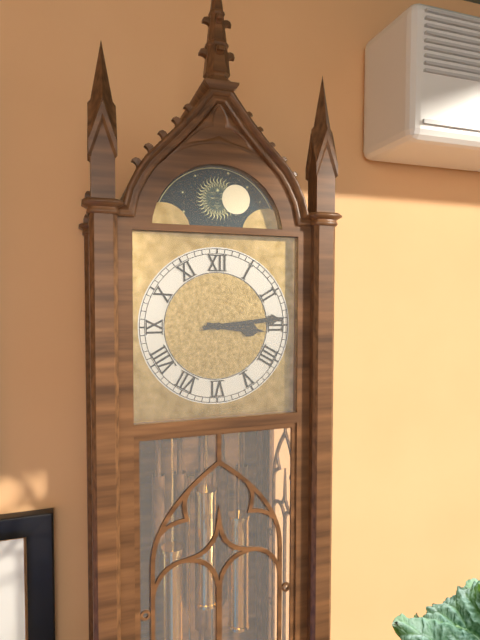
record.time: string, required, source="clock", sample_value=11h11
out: 3h14
